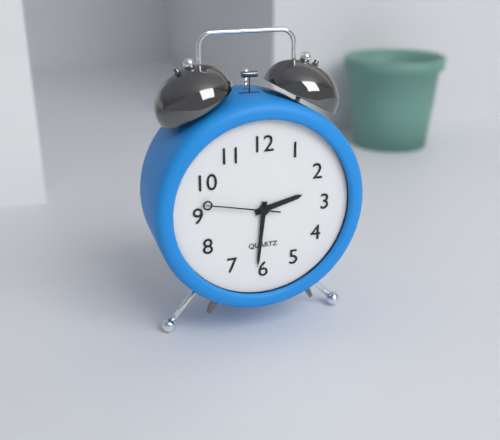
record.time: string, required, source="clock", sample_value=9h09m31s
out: 2h31m47s
